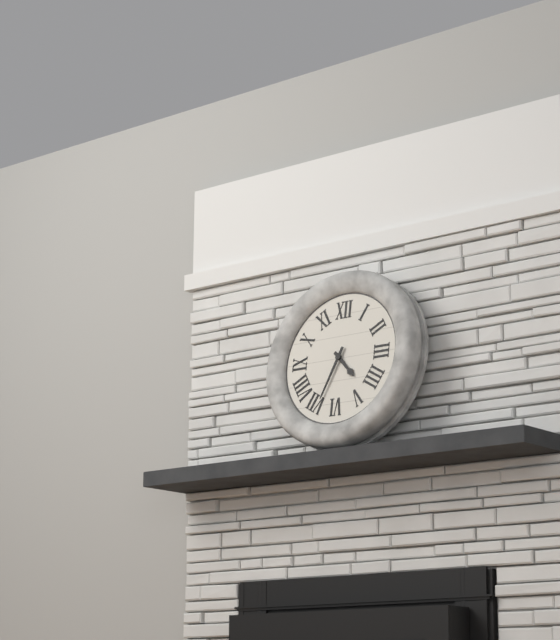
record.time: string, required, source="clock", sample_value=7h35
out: 4h34
